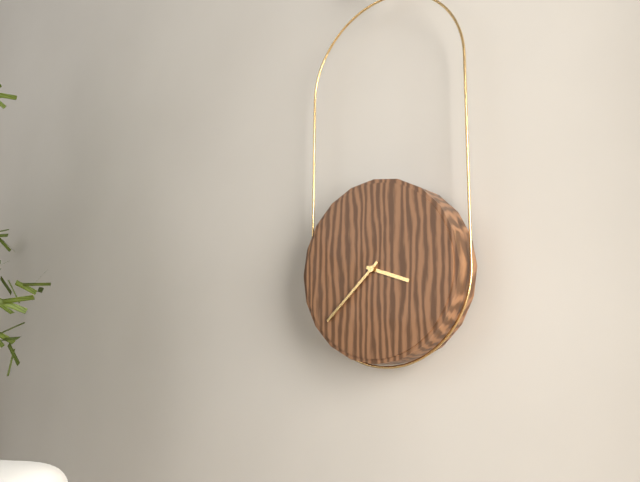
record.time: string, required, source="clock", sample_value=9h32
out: 3h38
